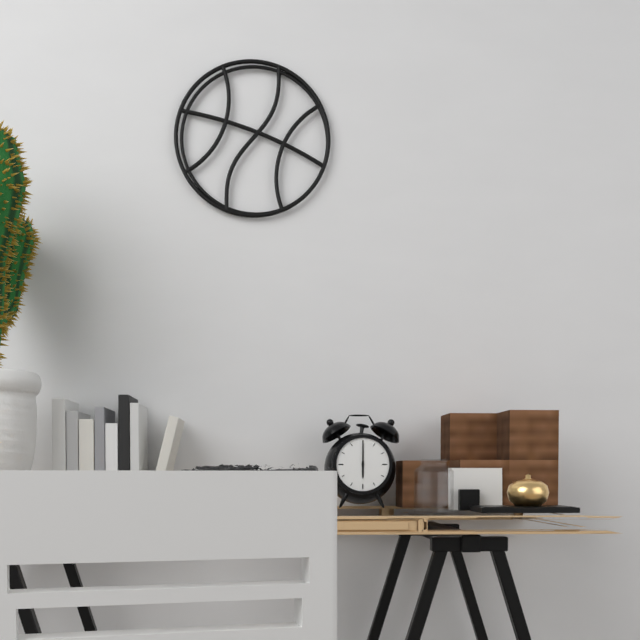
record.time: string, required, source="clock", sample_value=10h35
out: 6h00
